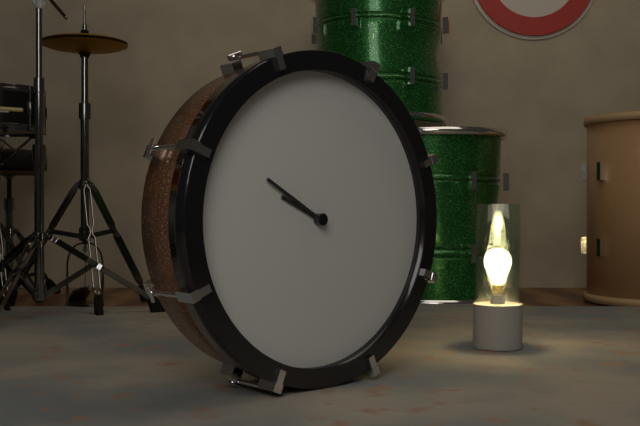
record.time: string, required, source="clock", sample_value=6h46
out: 9h50
